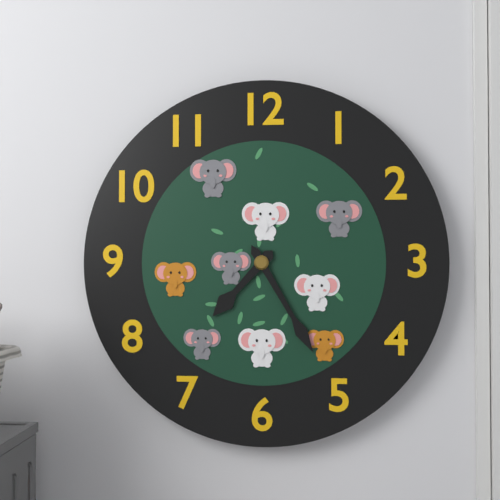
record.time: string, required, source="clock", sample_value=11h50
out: 7h25
